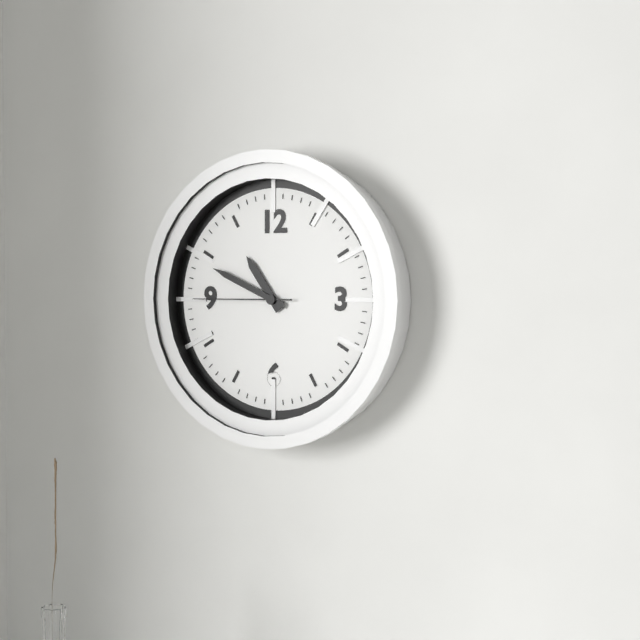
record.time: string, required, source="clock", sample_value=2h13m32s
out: 10h49m45s
